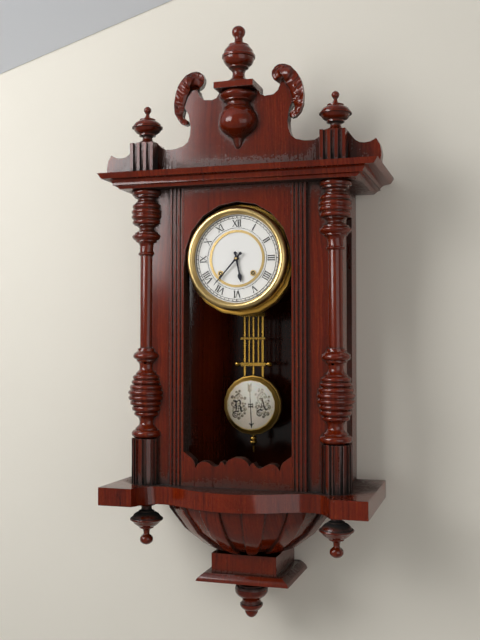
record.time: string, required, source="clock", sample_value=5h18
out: 5h37
